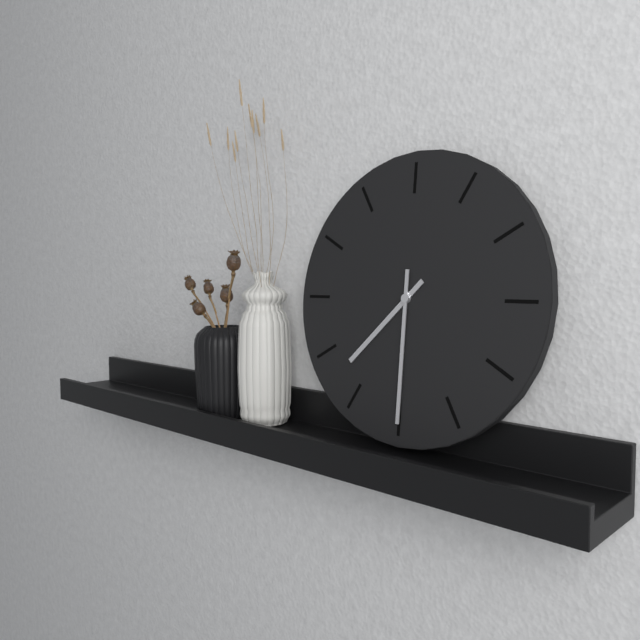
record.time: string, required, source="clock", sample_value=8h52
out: 7h30
